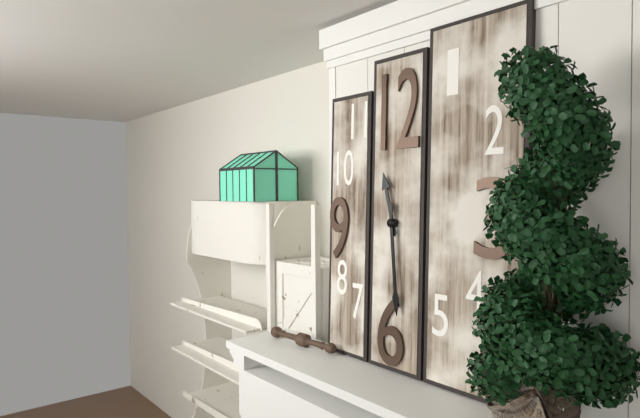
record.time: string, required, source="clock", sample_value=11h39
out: 11h29
